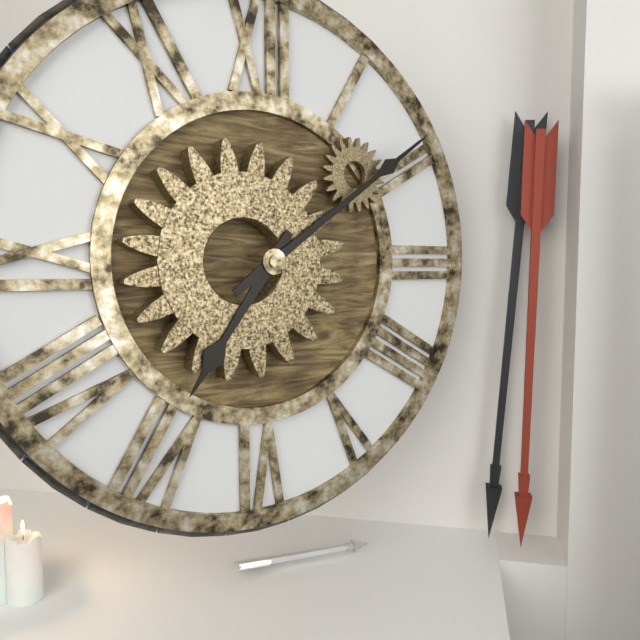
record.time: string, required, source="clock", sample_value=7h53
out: 7h09
